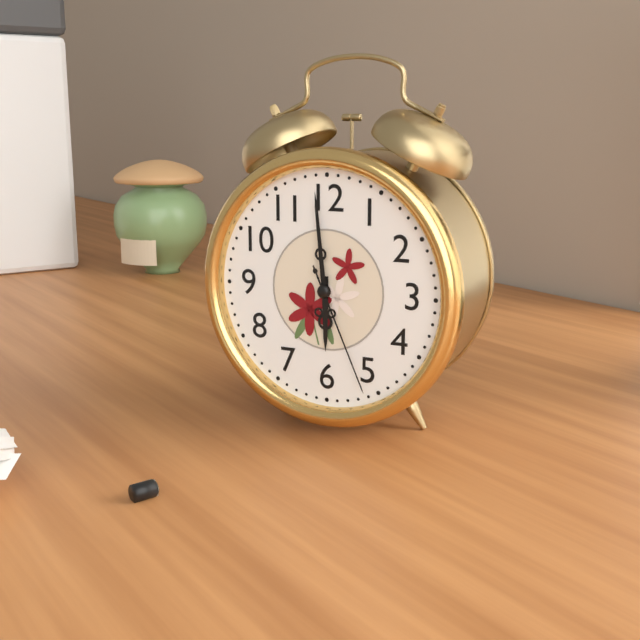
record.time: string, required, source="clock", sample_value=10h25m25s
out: 5h59m26s
